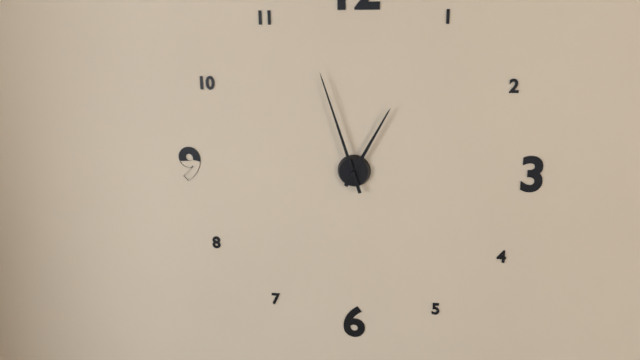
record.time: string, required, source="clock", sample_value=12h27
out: 12h57
